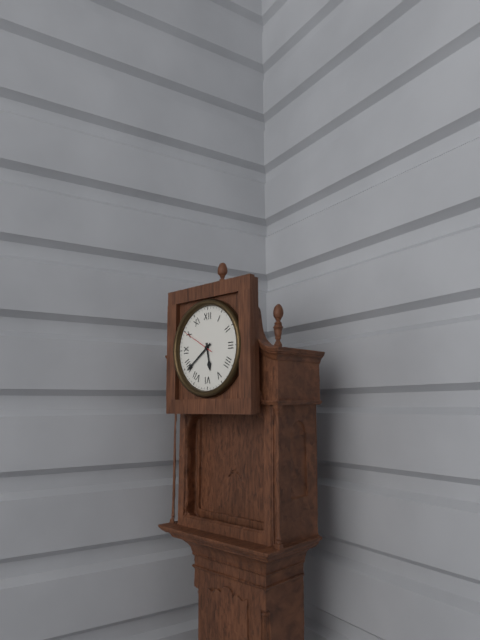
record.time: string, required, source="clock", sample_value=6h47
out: 5h39
